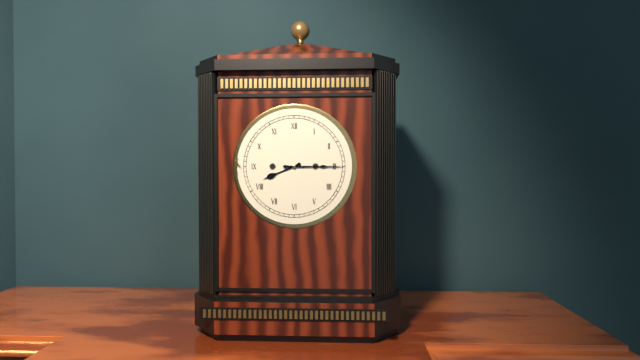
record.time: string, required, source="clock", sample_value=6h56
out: 8h15
